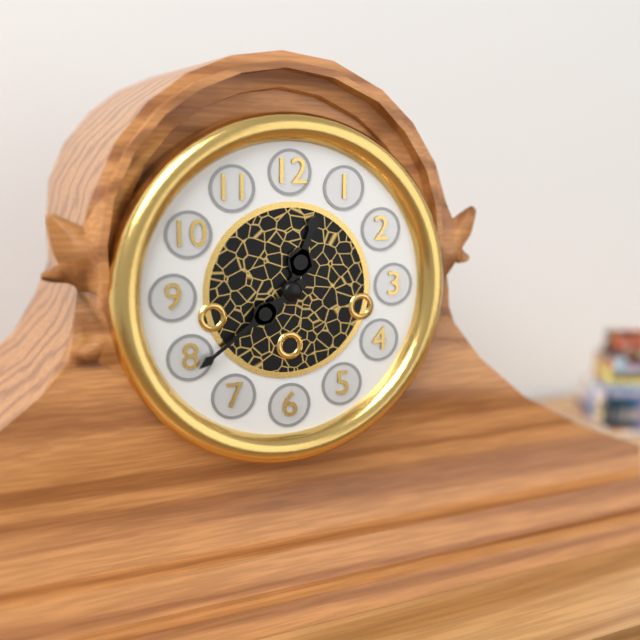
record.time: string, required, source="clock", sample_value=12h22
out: 12h39
